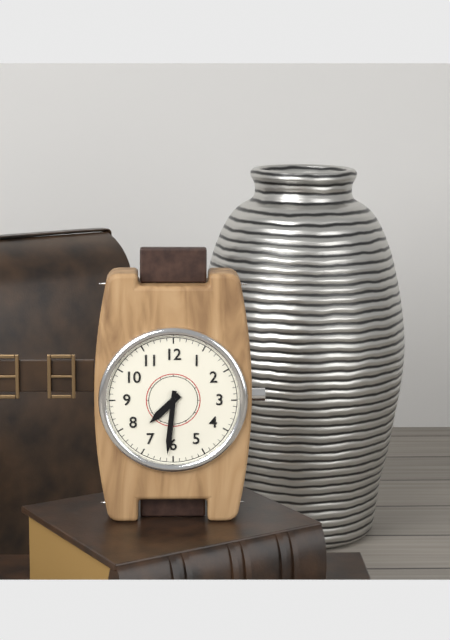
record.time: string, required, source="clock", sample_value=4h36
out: 7h31
